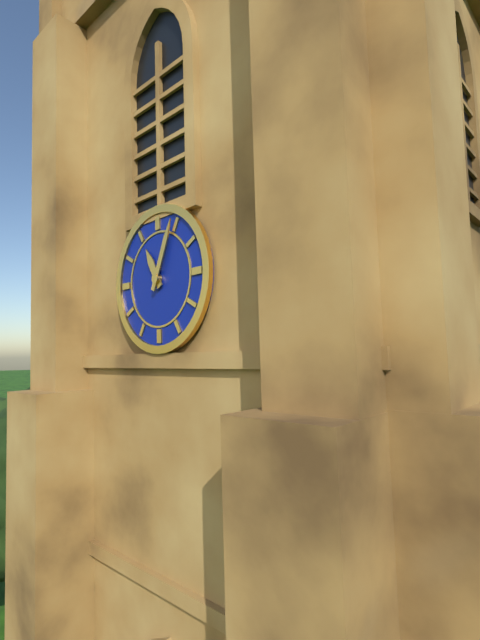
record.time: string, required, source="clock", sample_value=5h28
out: 11h04
